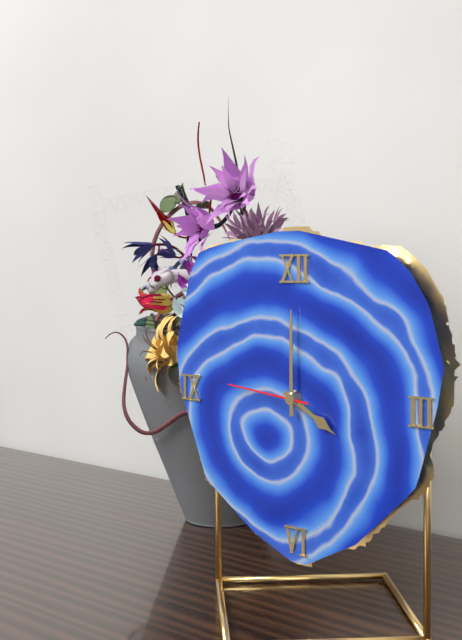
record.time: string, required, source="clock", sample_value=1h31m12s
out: 4h00m46s
